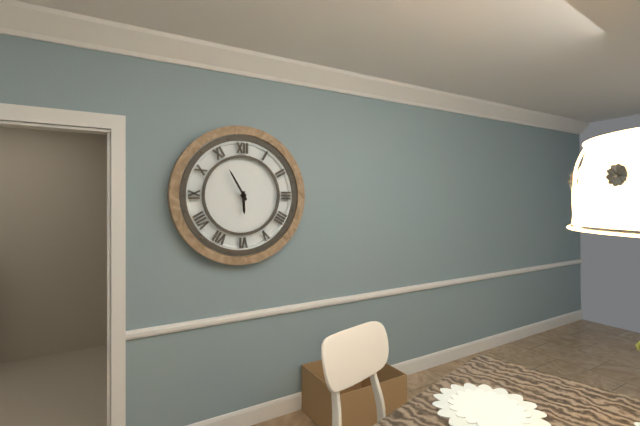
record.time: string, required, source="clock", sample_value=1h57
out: 5h55
